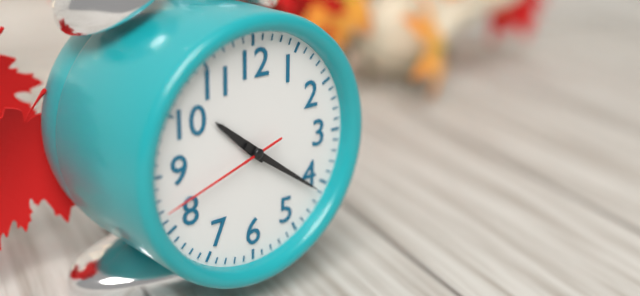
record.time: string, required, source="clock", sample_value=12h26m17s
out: 10h21m42s
